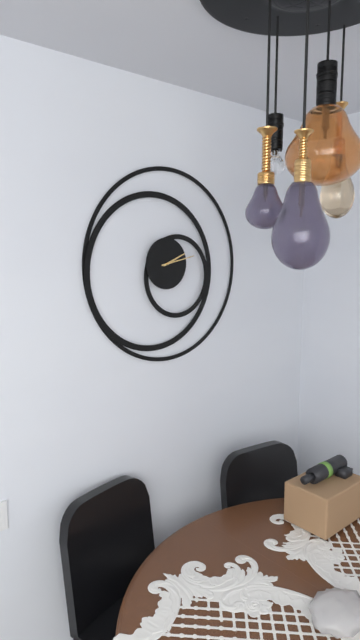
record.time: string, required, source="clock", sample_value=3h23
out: 2h13
